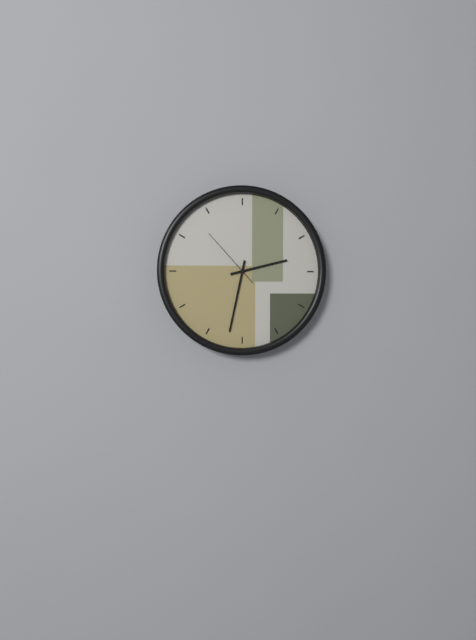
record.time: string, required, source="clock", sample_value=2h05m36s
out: 2h32m53s
